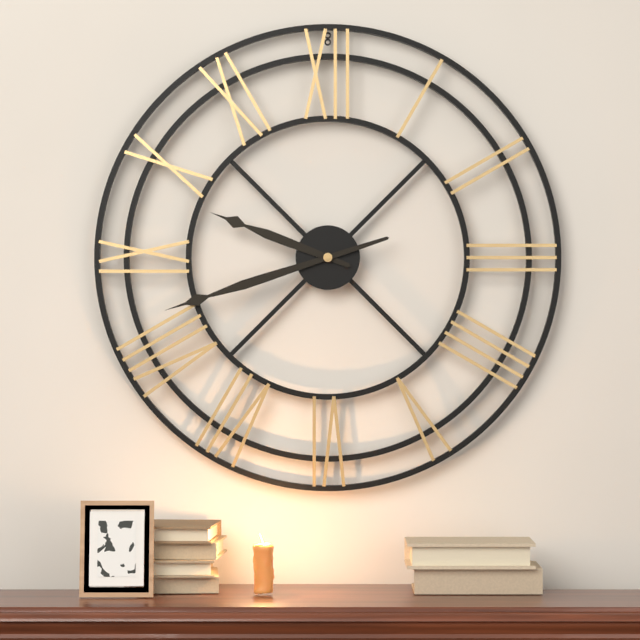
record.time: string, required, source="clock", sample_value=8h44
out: 9h42
